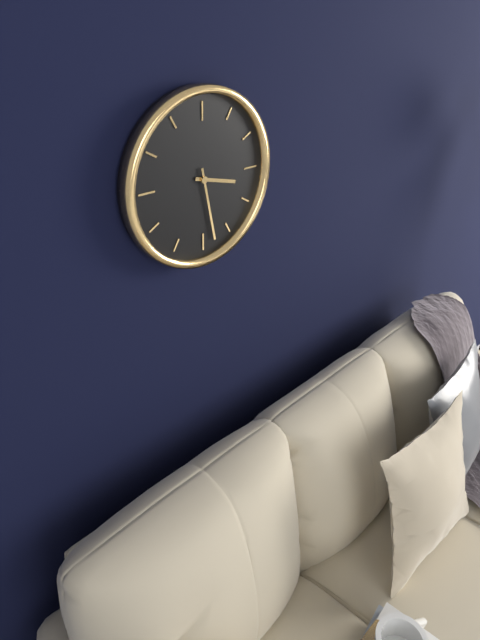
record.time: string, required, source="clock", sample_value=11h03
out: 3h28
